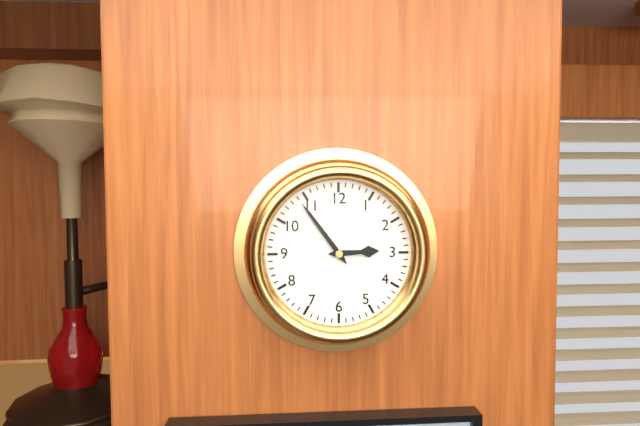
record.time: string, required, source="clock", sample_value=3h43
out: 2h54
